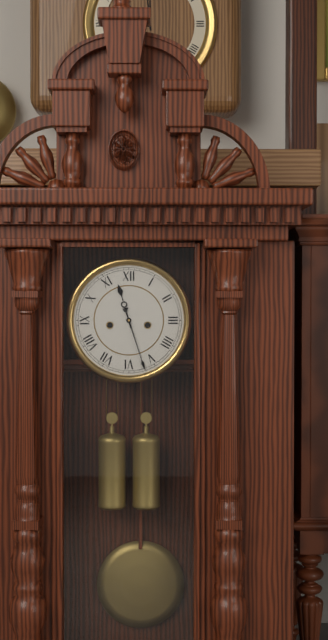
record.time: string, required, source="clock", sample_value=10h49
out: 11h27
